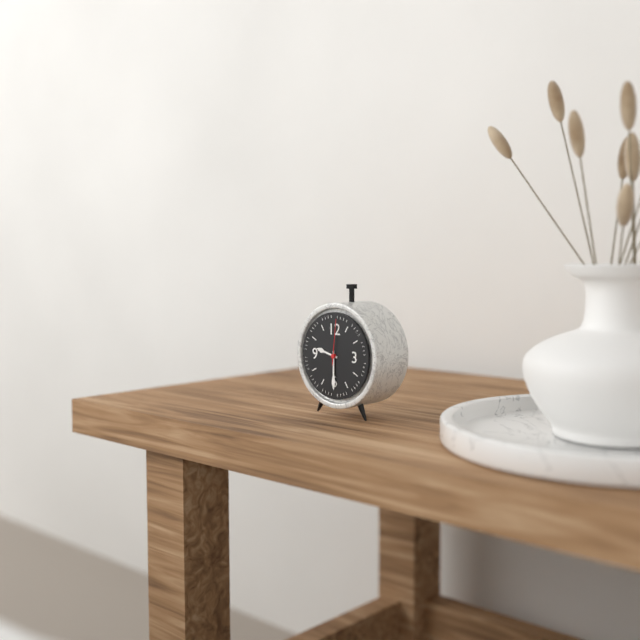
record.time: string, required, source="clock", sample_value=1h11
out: 9h30
